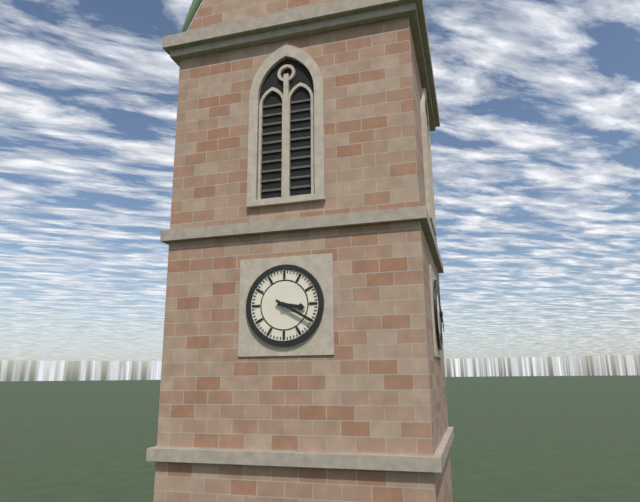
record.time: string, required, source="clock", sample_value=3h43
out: 3h20
